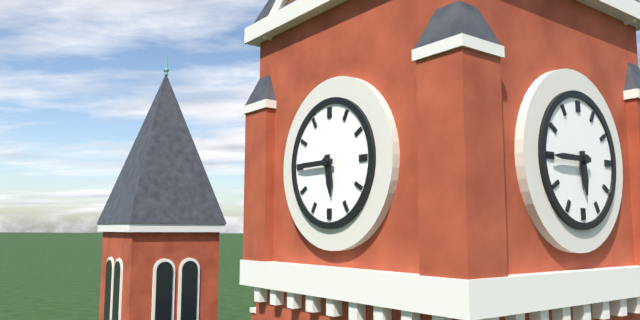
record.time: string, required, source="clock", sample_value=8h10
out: 5h45
